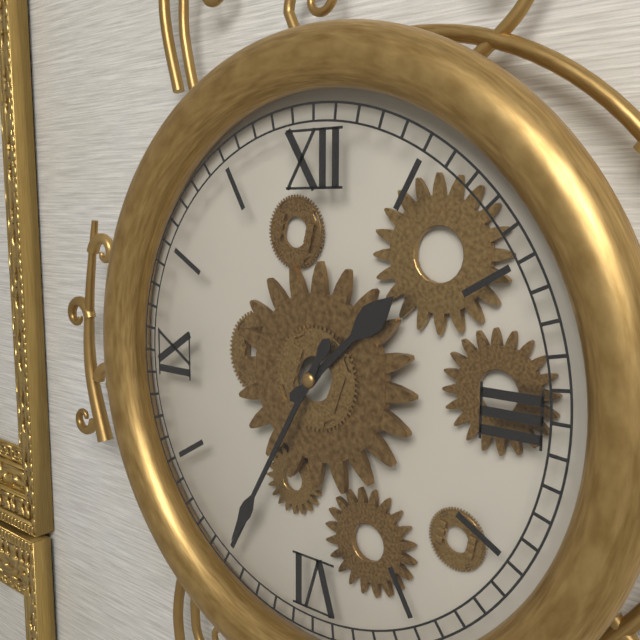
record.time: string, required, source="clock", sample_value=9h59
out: 1h35
